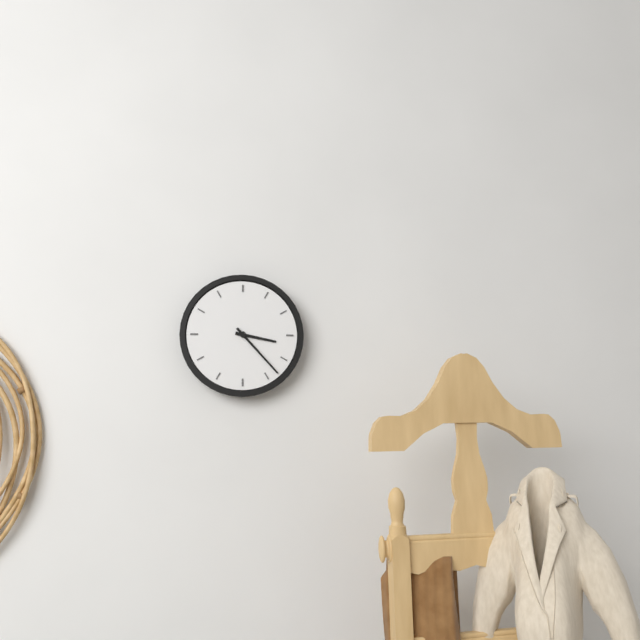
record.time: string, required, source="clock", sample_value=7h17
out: 3h23
